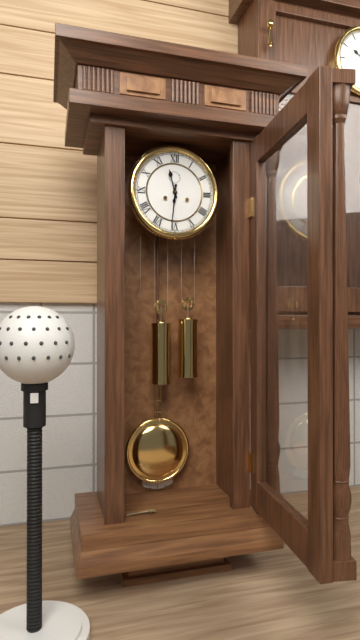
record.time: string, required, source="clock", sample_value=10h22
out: 11h31
